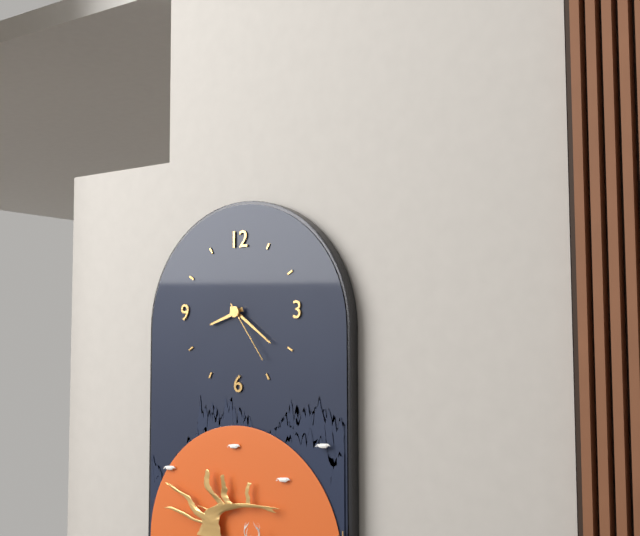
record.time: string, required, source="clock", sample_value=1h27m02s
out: 8h21m24s
